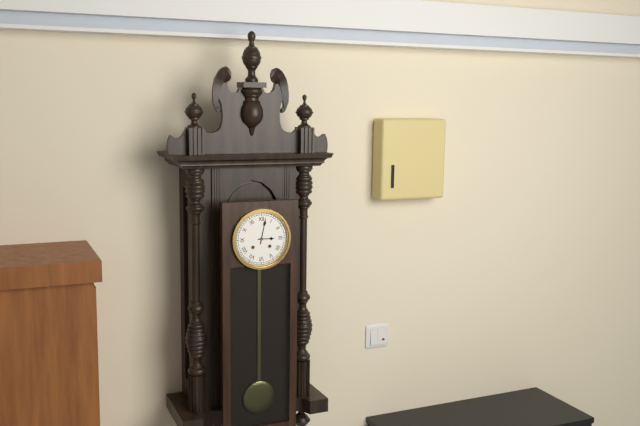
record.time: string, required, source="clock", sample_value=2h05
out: 3h02
